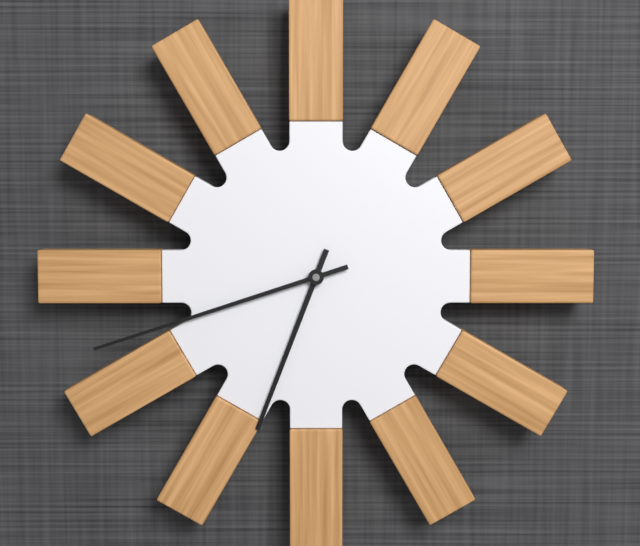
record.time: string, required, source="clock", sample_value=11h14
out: 6h42
